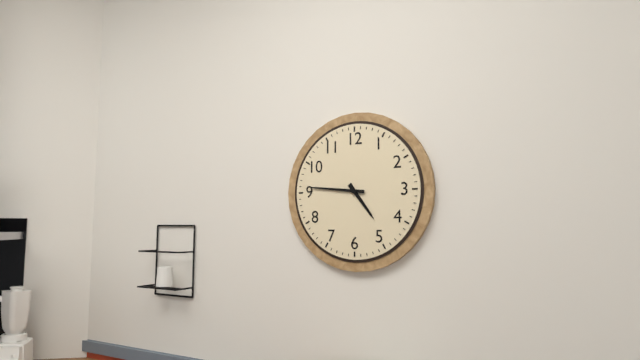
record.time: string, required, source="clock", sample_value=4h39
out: 4h46
